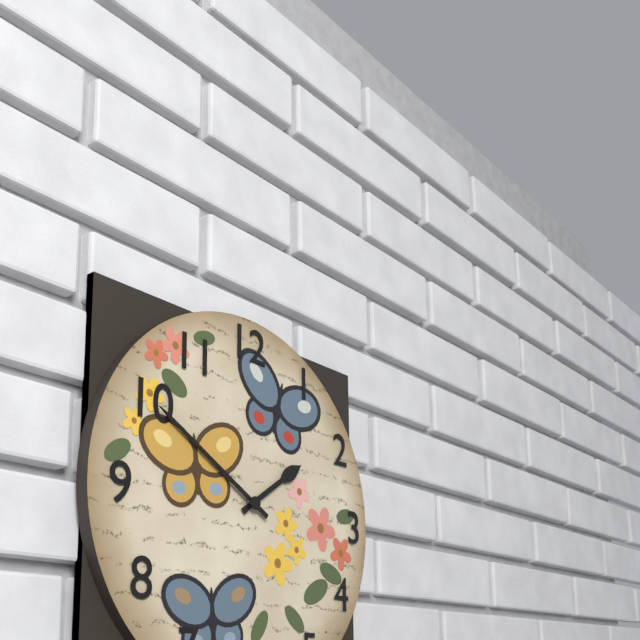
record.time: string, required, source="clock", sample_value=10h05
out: 1h50
